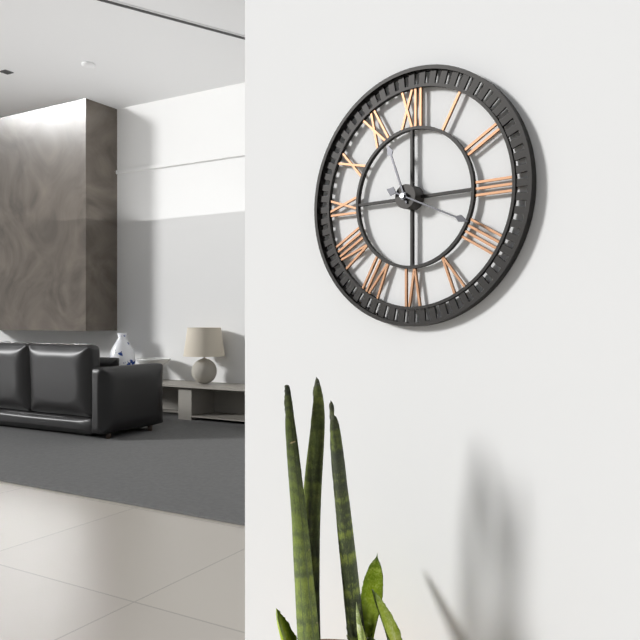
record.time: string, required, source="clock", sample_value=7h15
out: 11h19
